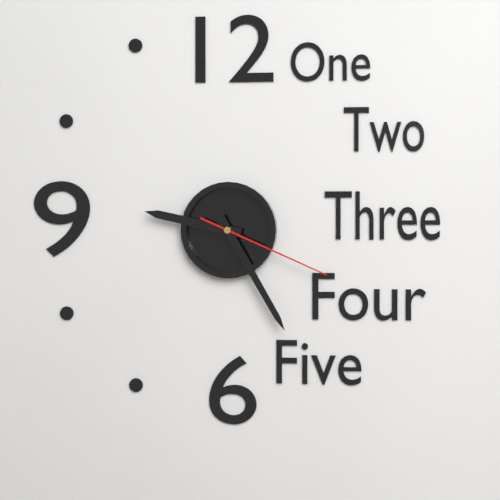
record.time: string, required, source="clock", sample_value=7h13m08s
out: 9h25m19s
